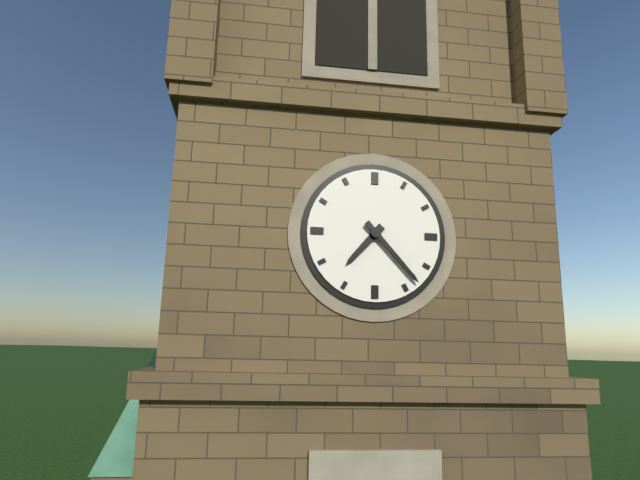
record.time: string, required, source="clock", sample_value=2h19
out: 7h23
